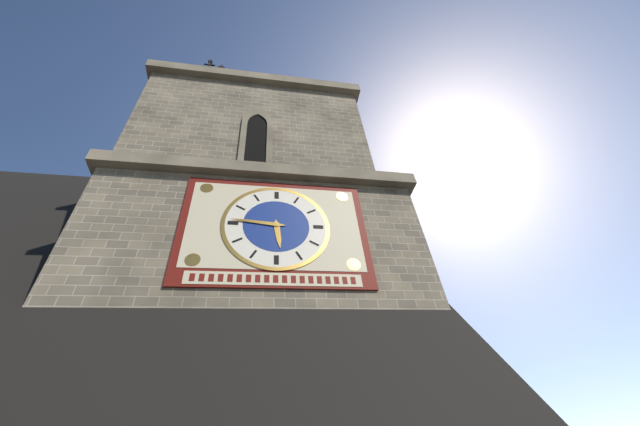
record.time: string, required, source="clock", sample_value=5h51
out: 5h46
